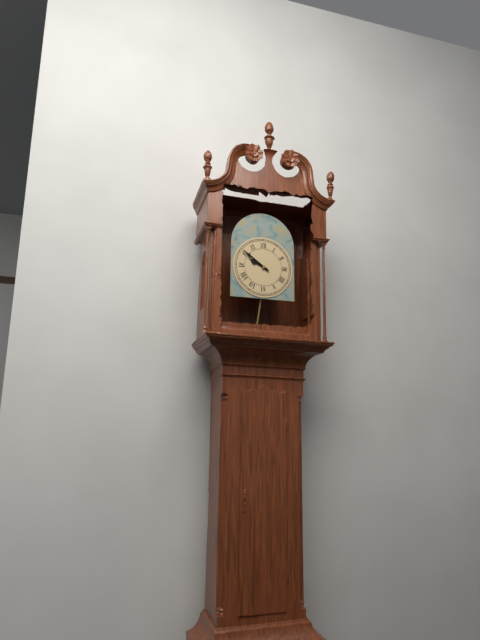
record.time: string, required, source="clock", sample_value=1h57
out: 9h51
